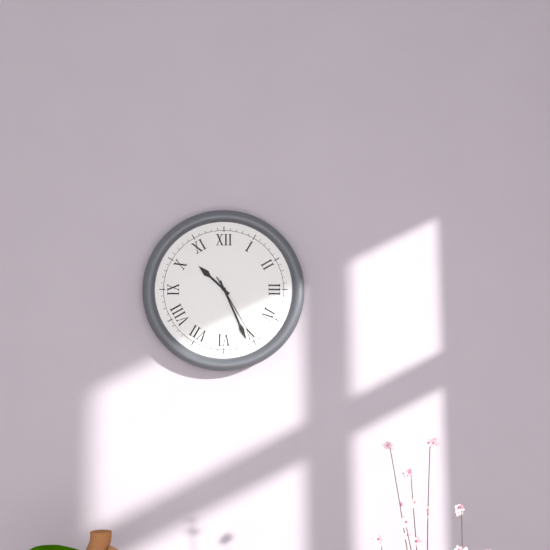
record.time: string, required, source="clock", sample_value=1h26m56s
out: 10h26m25s
